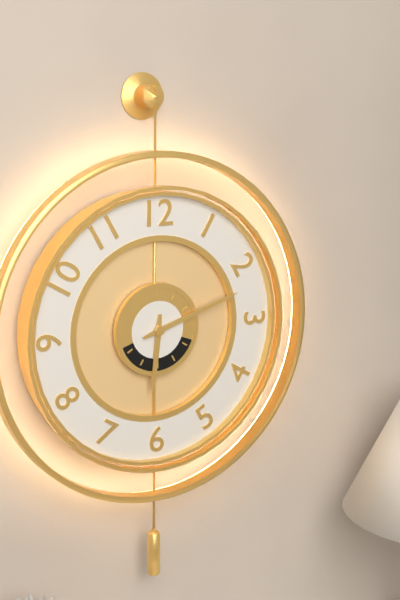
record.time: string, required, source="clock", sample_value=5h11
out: 6h12
